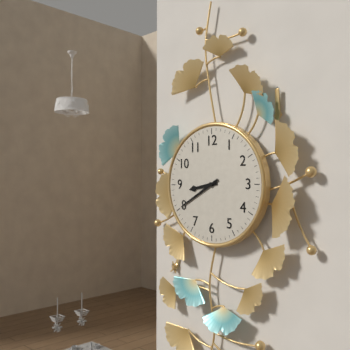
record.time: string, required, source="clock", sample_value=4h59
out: 8h40
